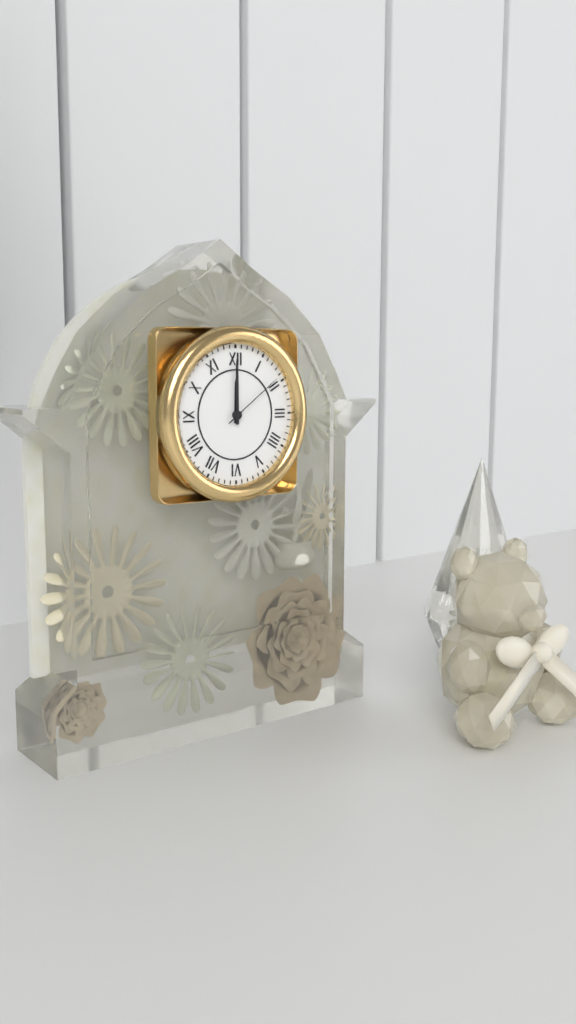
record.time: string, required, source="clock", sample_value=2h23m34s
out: 12h00m09s
